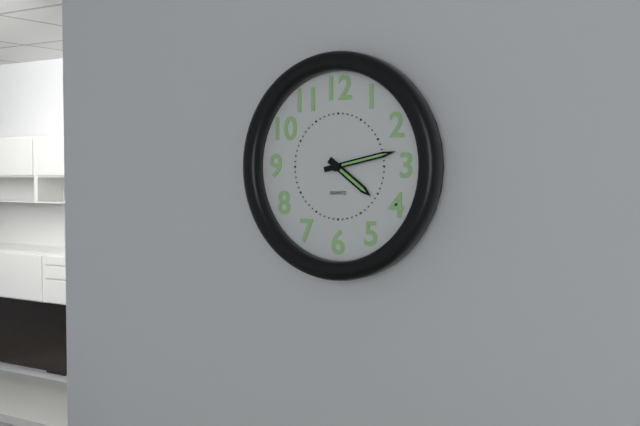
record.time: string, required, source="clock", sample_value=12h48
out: 4h13
